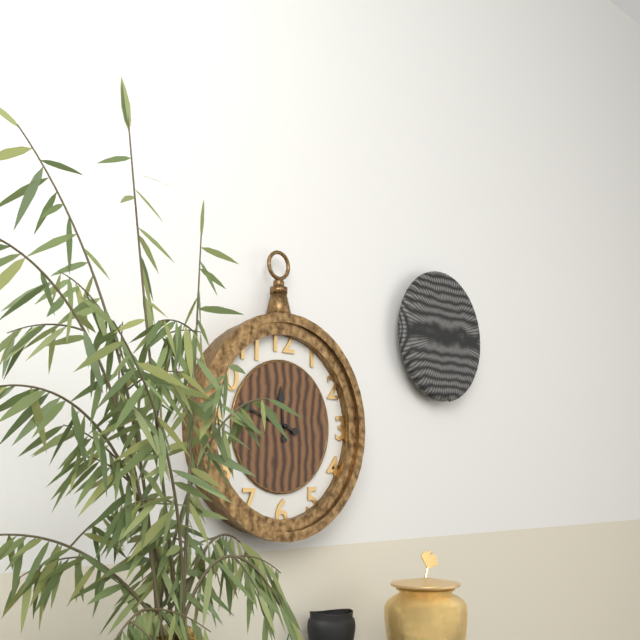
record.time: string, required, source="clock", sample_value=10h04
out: 11h48
